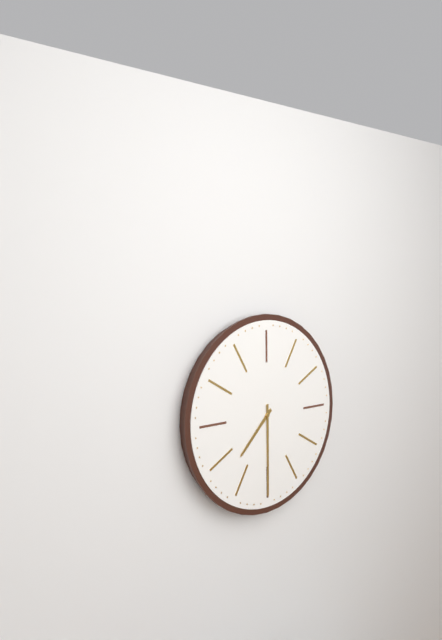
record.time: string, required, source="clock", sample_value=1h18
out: 7h30
